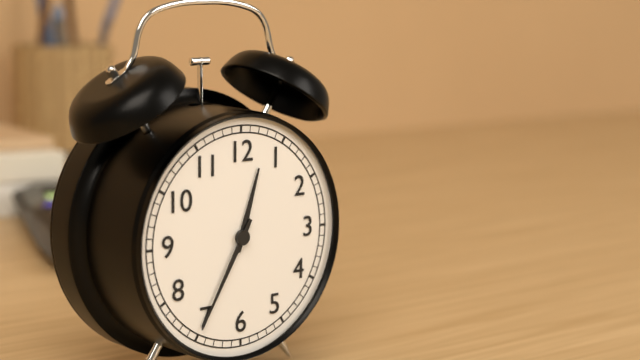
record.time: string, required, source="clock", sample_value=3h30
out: 12h35
